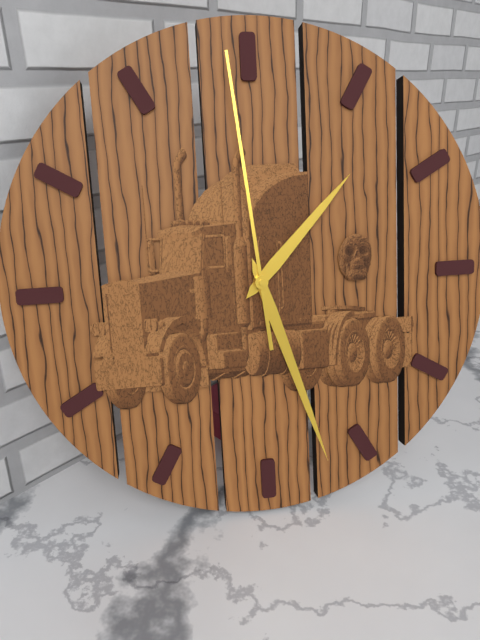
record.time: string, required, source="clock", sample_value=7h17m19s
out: 1h27m59s
